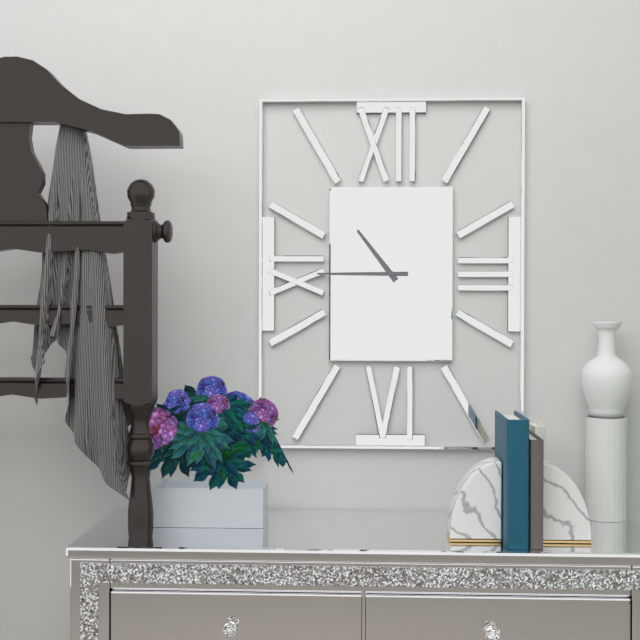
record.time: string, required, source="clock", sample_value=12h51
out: 10h45
